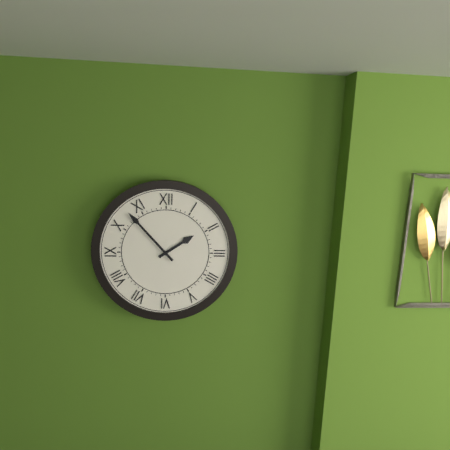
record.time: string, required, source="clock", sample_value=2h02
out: 1h53
